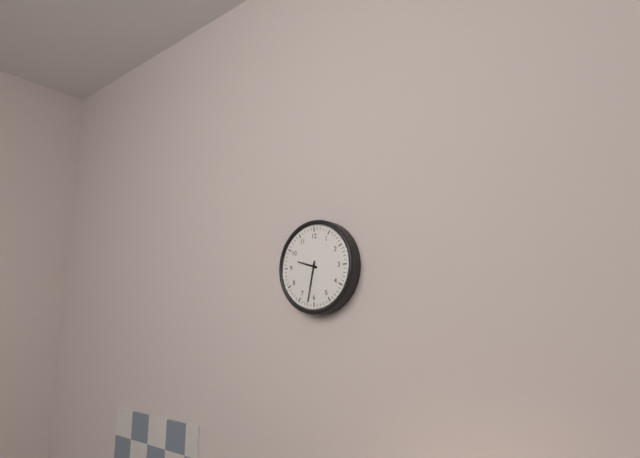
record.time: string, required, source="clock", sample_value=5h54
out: 9h32
